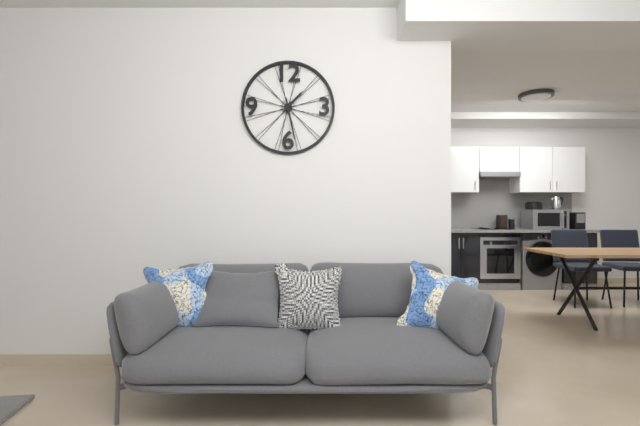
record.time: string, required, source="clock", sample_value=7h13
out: 1h28
